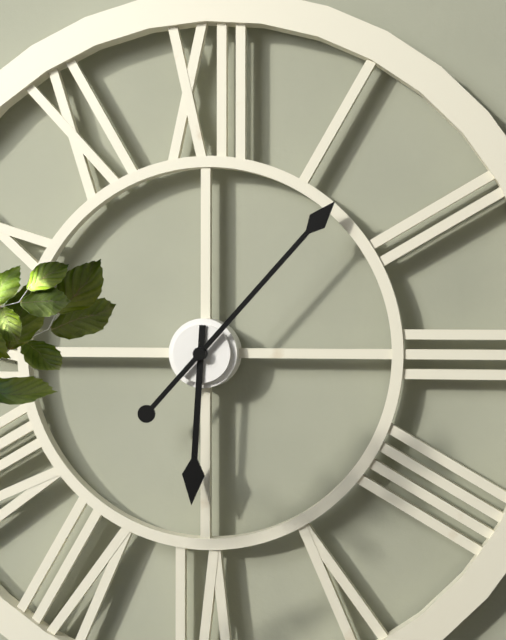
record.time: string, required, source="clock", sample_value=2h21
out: 6h07
